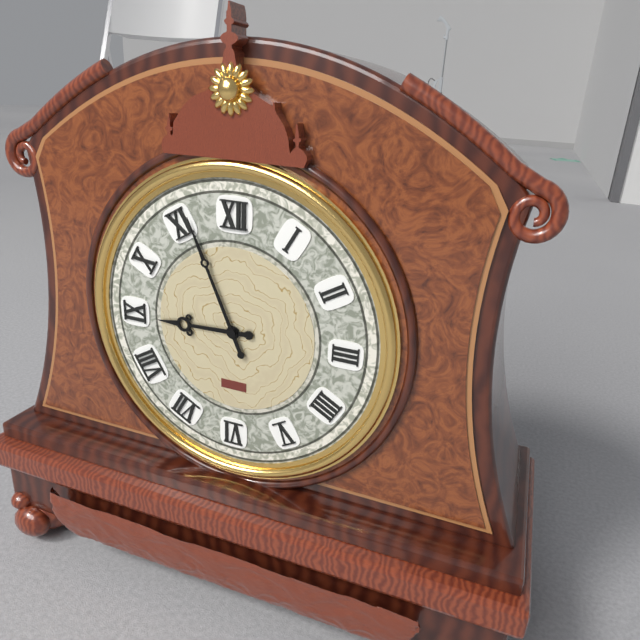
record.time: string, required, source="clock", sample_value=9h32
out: 8h56
